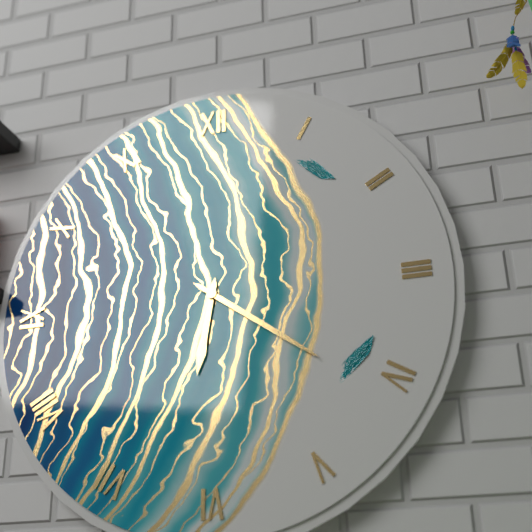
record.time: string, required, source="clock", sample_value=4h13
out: 6h21
